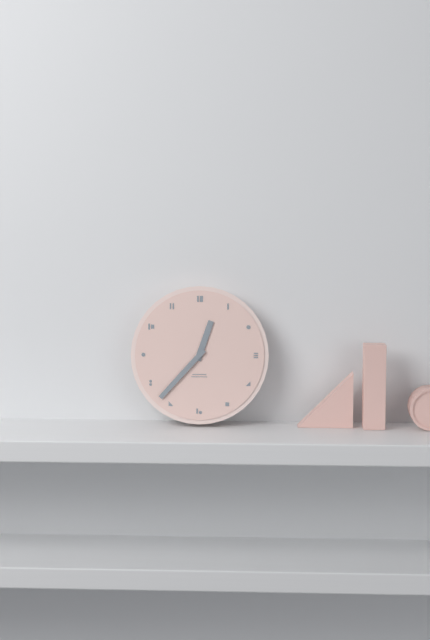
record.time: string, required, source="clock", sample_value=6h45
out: 12h37
